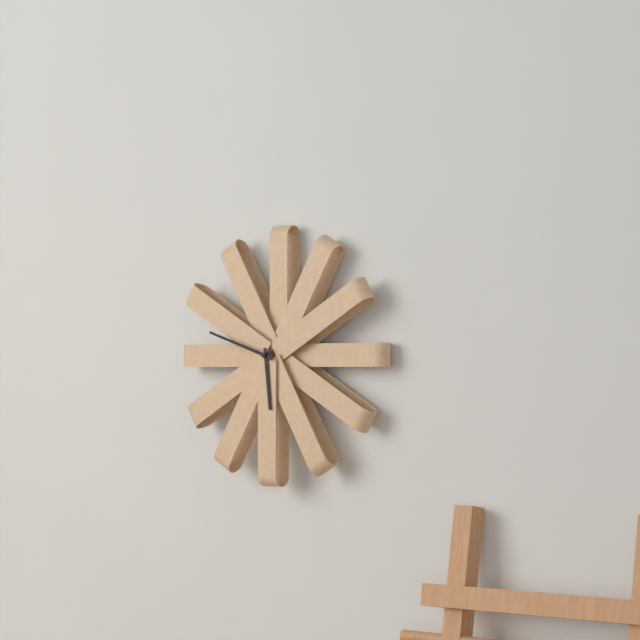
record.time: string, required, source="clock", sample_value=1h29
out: 5h48
